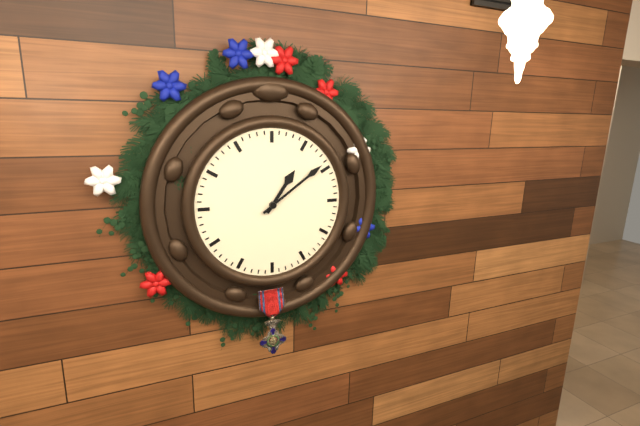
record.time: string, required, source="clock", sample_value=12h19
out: 1h09
